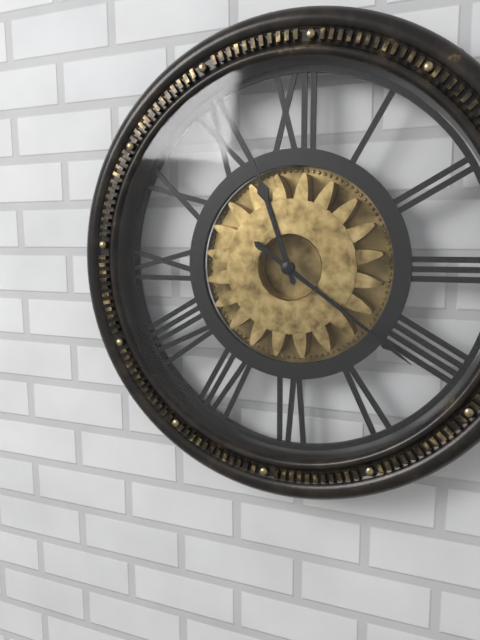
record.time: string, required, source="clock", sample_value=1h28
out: 11h21
